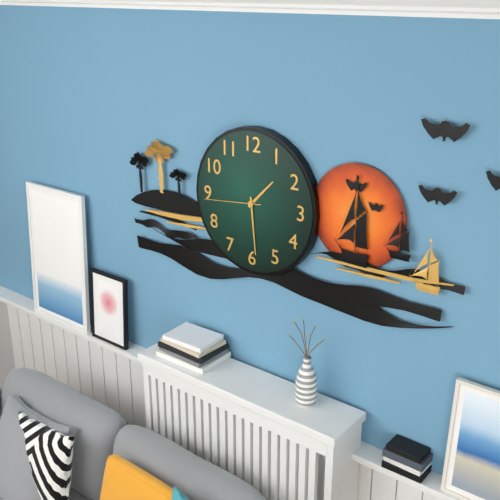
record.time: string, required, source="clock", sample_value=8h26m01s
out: 1h29m44s
